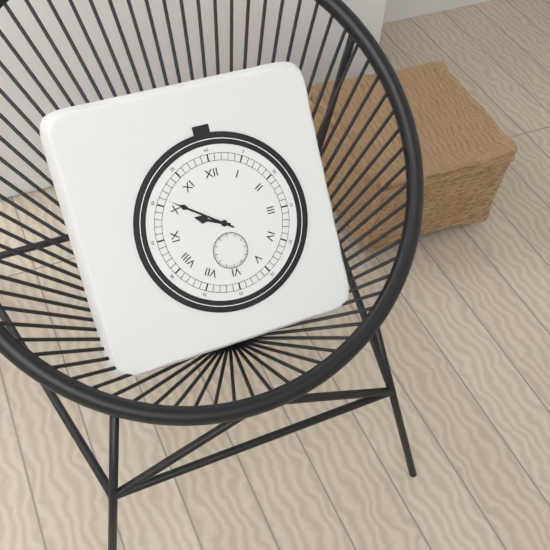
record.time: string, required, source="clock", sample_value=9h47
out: 9h51
